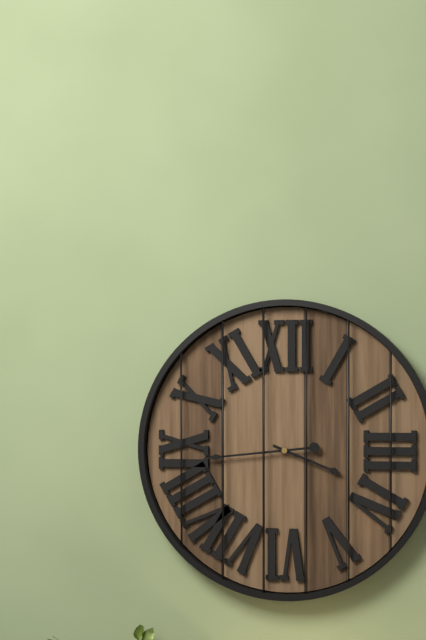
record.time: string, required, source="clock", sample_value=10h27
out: 3h44
